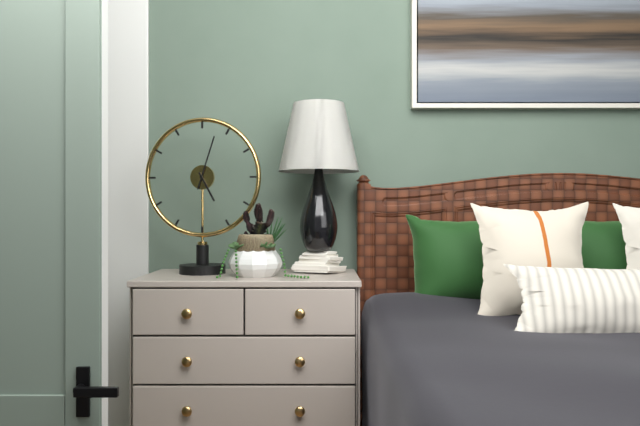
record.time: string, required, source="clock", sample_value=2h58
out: 5h03
